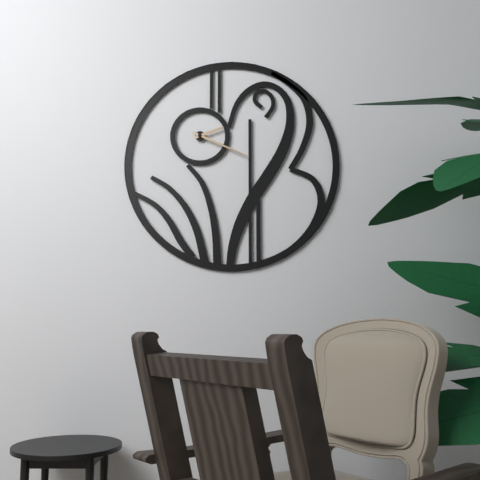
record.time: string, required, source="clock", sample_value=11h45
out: 2h19
